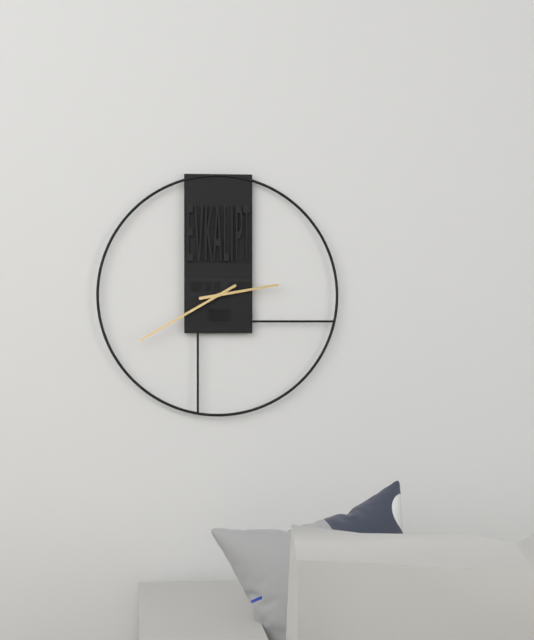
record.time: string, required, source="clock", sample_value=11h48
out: 2h40
